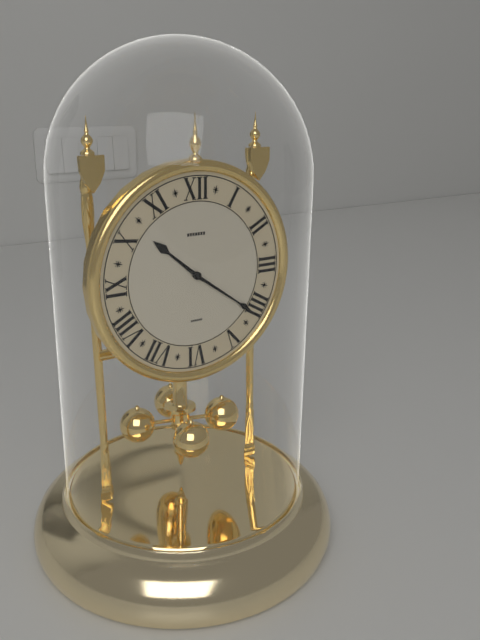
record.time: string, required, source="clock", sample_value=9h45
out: 10h21
